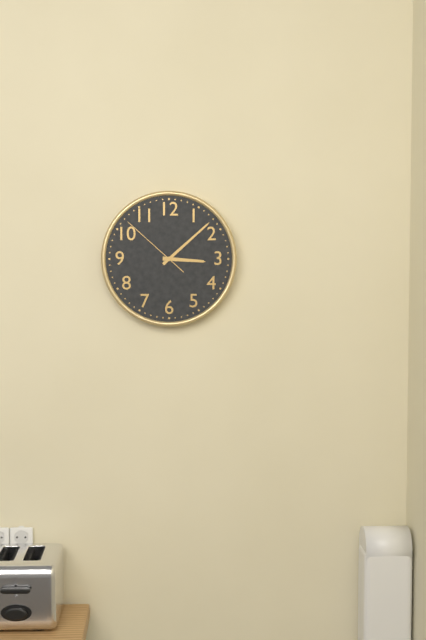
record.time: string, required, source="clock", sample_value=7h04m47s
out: 3h08m52s
